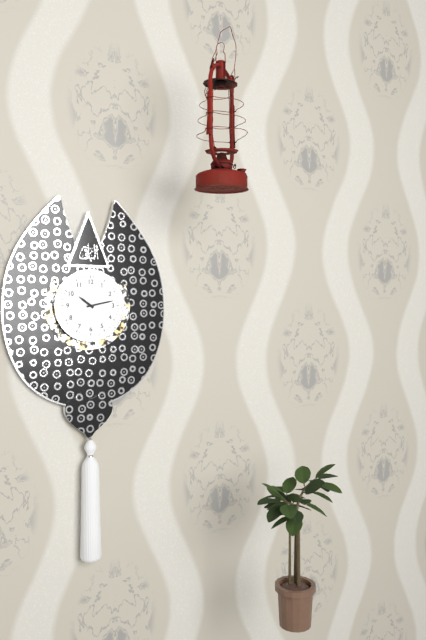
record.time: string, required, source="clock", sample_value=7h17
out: 10h13
